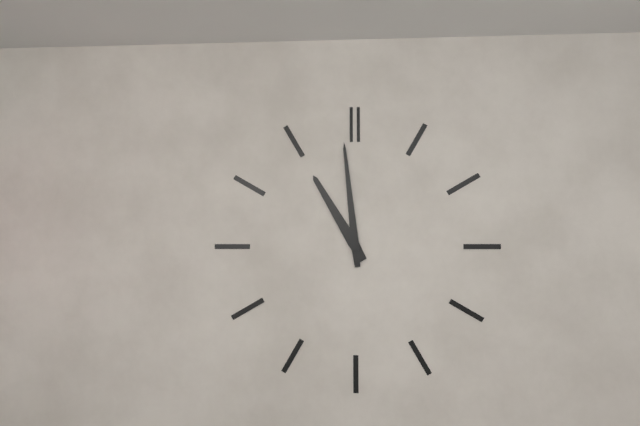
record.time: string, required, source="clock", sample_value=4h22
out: 10h59
